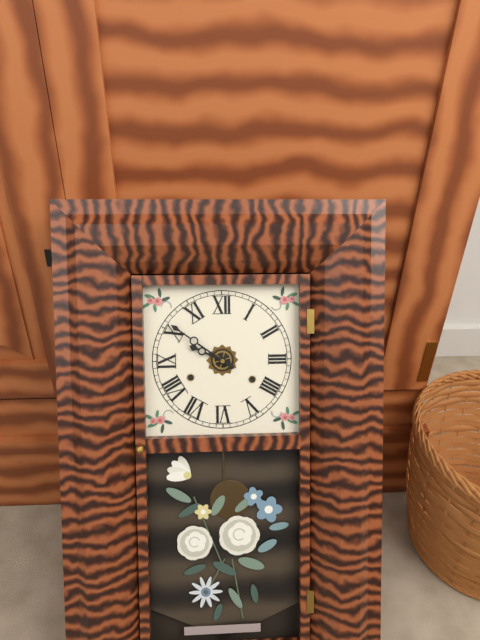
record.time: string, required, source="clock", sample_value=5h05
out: 9h51
